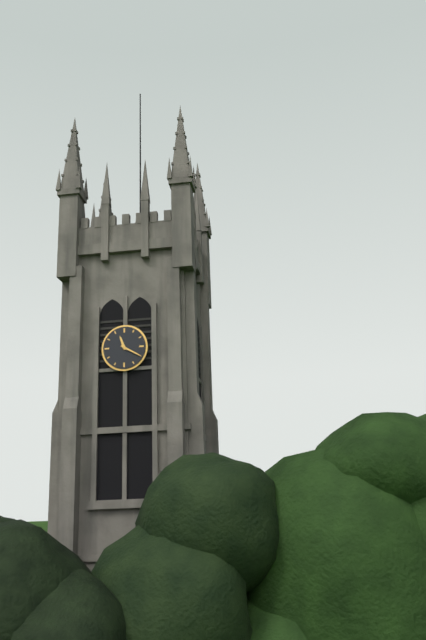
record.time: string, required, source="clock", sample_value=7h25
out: 11h20
